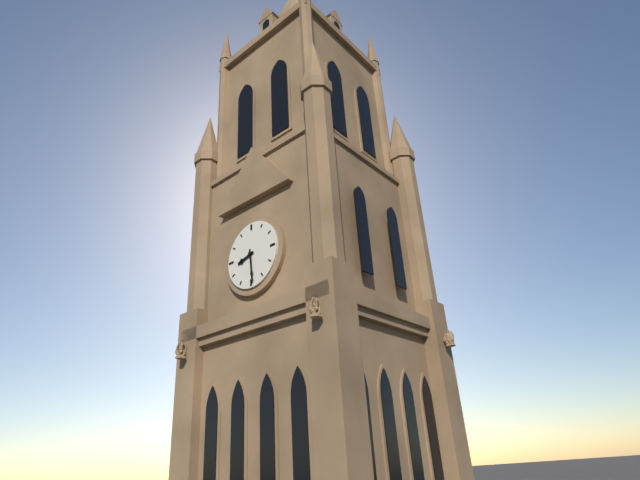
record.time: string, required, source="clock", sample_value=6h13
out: 8h29
